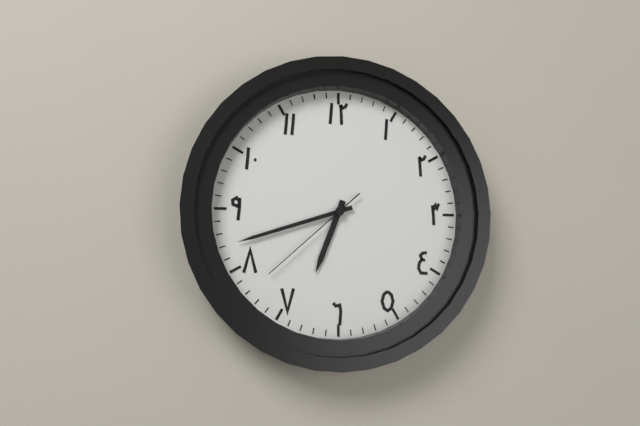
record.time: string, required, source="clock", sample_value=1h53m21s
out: 6h42m38s
